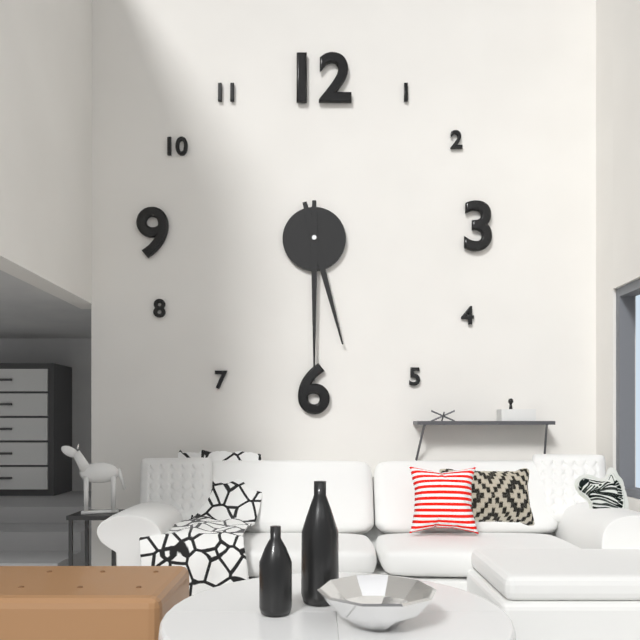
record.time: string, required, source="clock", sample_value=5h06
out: 5h30
